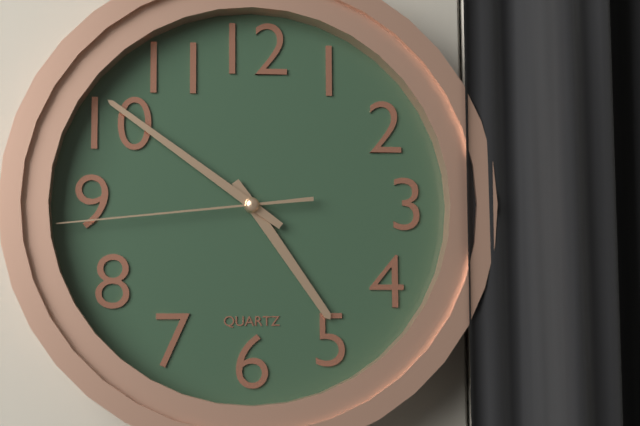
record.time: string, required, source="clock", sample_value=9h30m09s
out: 4h51m44s
